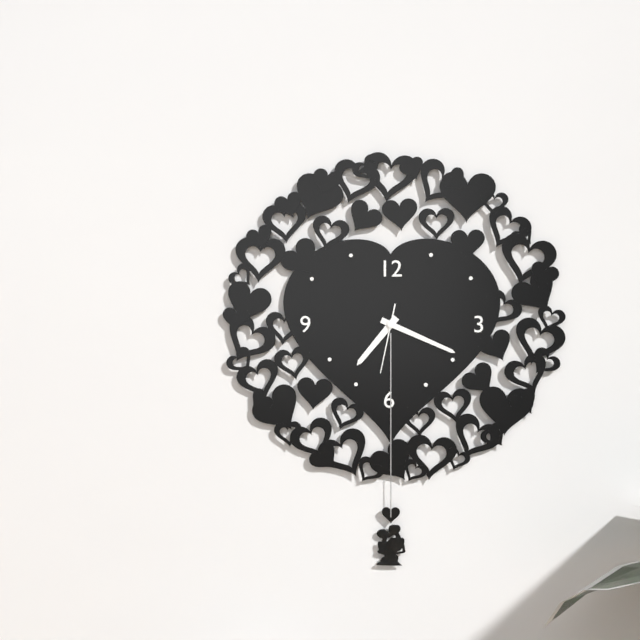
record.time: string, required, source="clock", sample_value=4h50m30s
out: 7h19m32s
